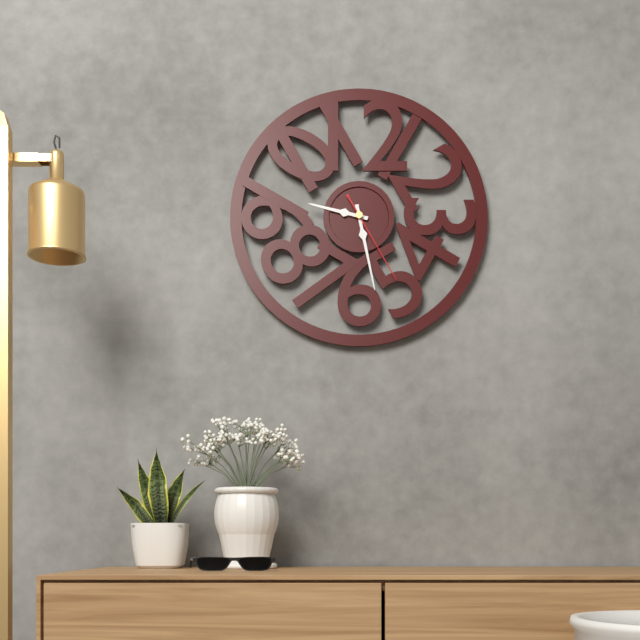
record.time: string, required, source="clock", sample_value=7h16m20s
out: 9h28m25s
